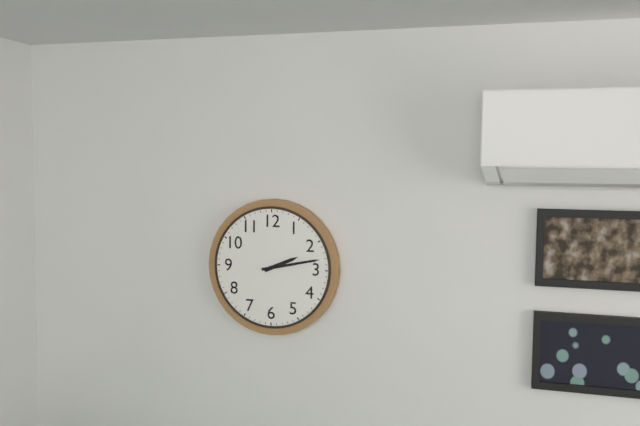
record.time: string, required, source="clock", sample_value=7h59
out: 2h13
